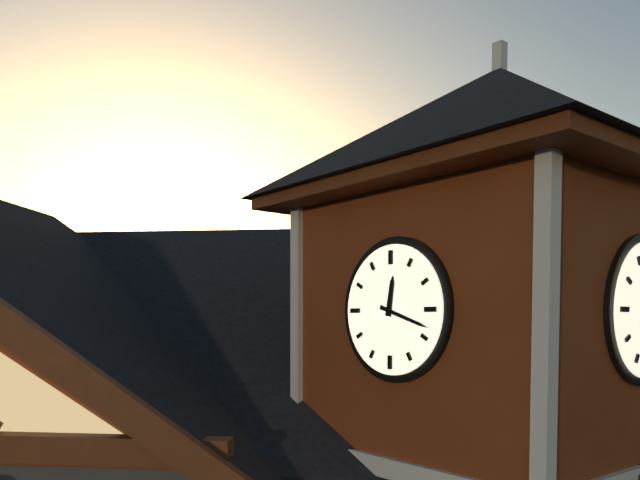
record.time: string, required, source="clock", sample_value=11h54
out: 12h18
